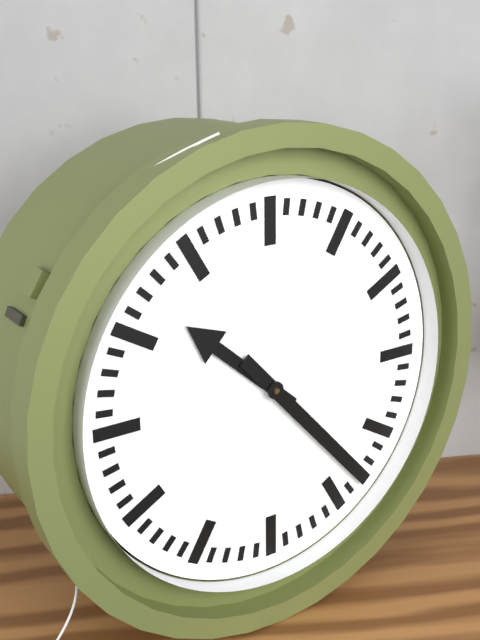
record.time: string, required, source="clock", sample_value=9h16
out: 10h23
